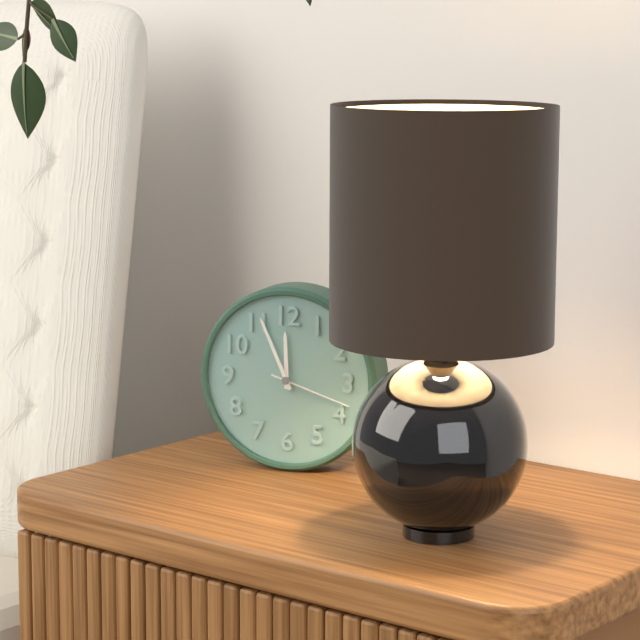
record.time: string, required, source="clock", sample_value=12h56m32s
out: 11h56m18s
